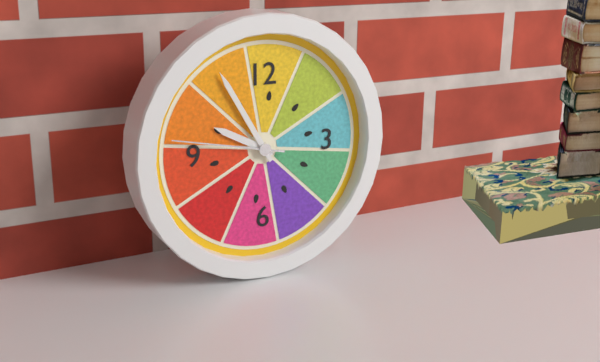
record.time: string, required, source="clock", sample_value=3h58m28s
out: 9h55m47s
